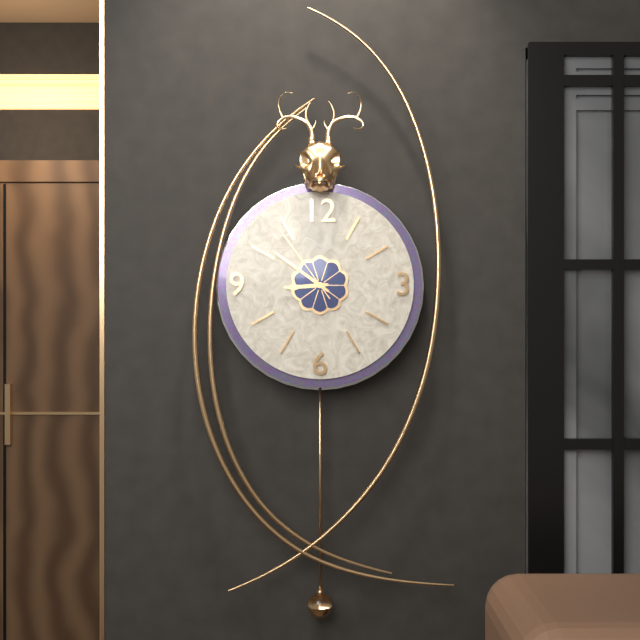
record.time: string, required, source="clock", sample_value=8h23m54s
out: 8h51m54s
